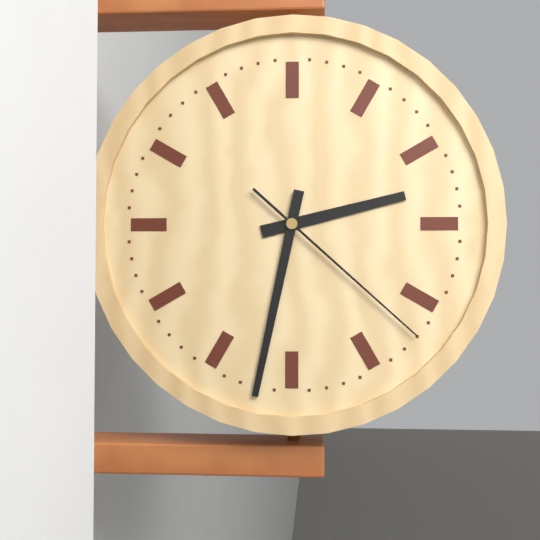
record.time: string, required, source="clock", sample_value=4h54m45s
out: 2h32m22s
